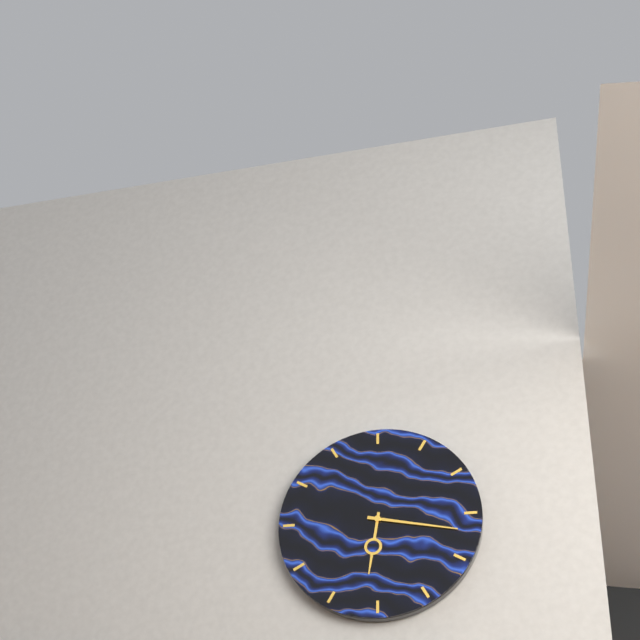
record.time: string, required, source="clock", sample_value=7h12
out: 6h17
